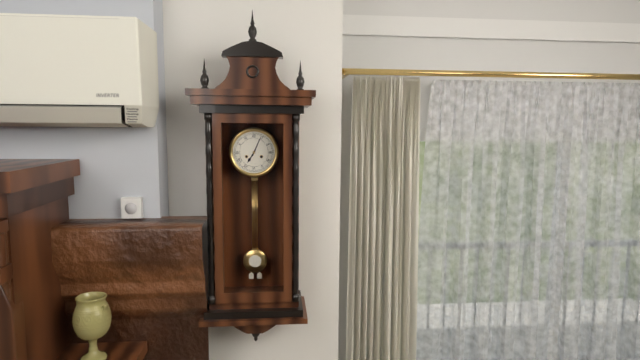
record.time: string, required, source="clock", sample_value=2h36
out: 7h04
